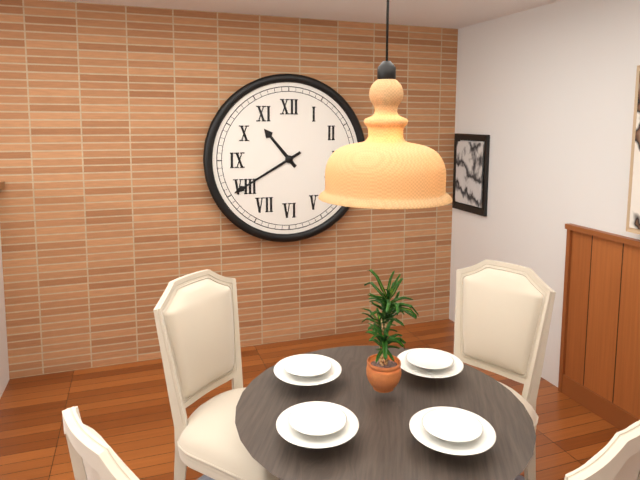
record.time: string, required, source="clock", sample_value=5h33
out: 10h40
